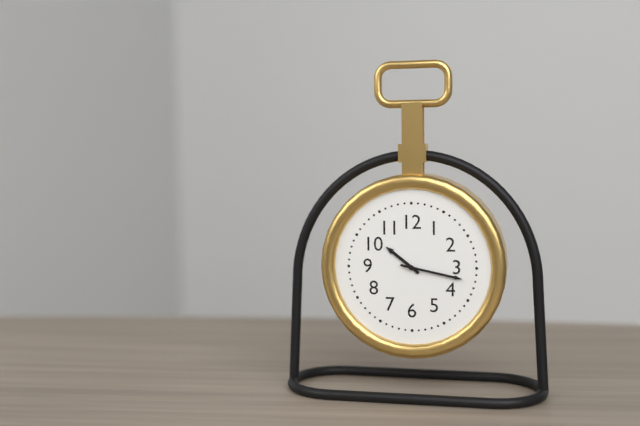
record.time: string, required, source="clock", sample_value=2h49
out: 10h17
